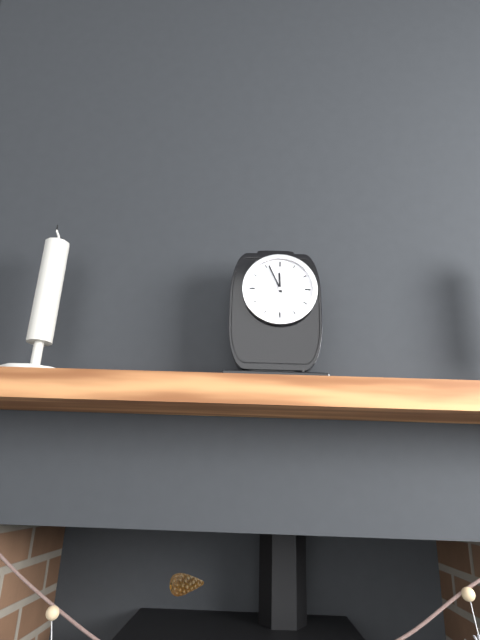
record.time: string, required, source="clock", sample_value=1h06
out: 11h56
